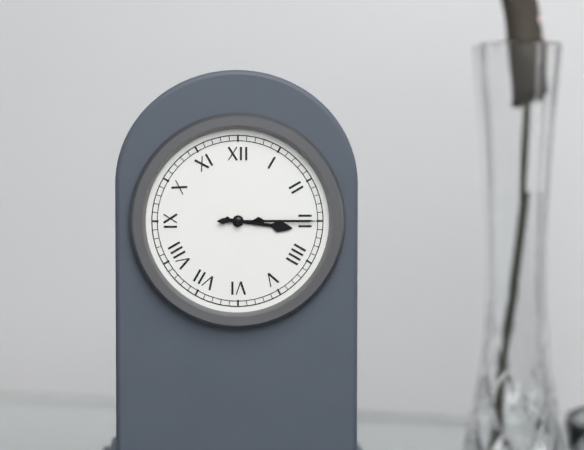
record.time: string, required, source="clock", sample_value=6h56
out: 3h15
